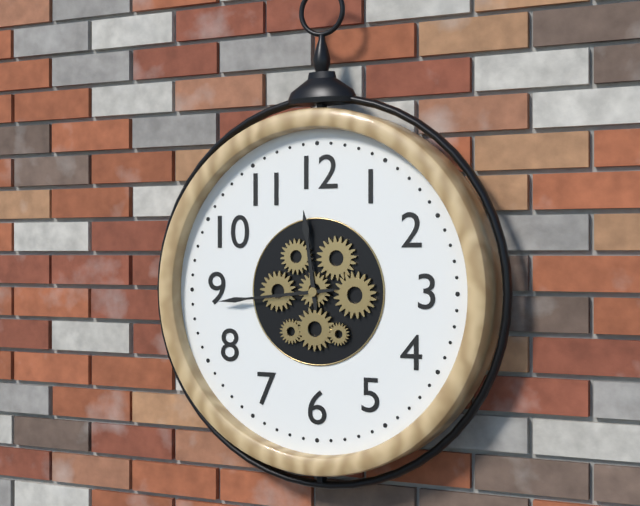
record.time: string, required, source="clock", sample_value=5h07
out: 11h44
